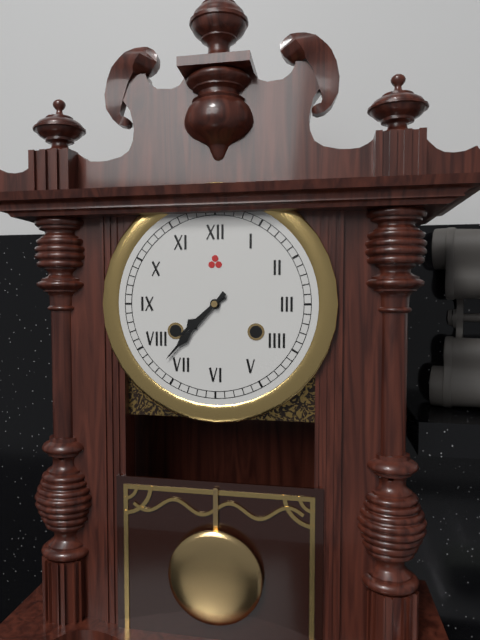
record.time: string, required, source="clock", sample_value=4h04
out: 7h37
